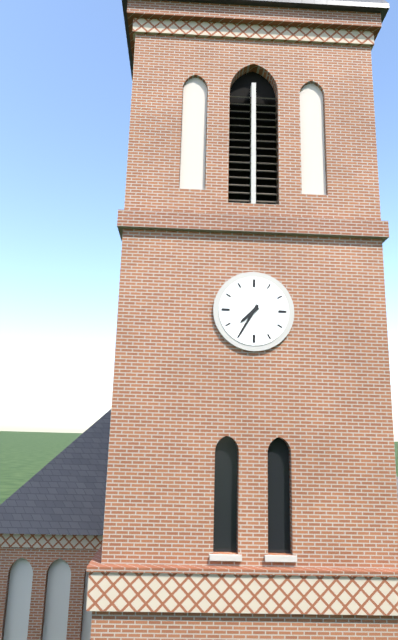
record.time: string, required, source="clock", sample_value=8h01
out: 7h35
